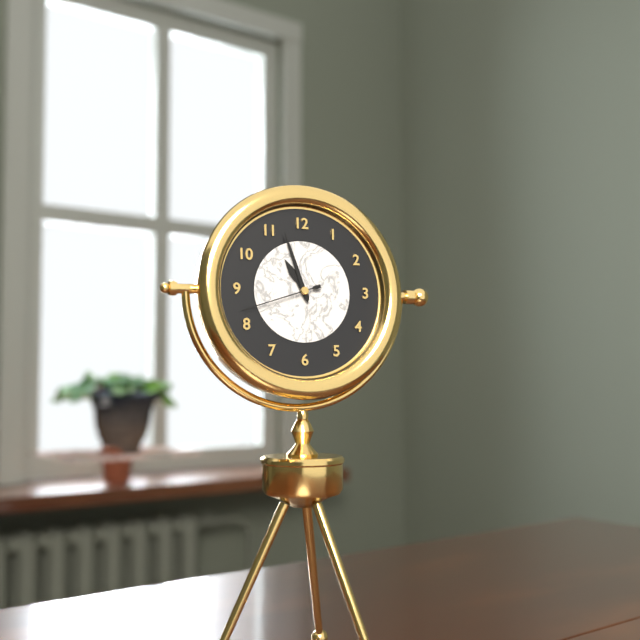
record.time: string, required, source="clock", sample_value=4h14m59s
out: 10h57m42s
